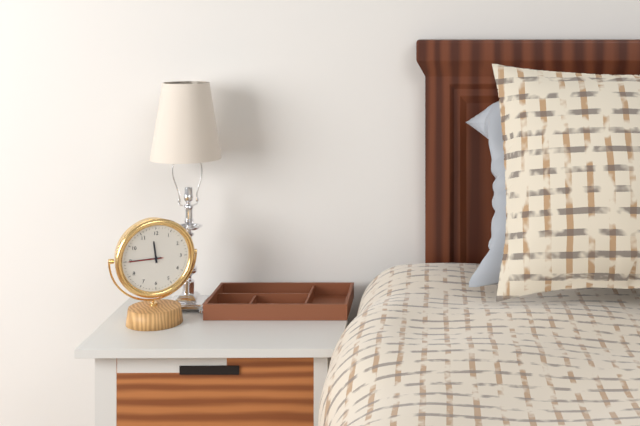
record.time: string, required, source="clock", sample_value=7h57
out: 11h45
